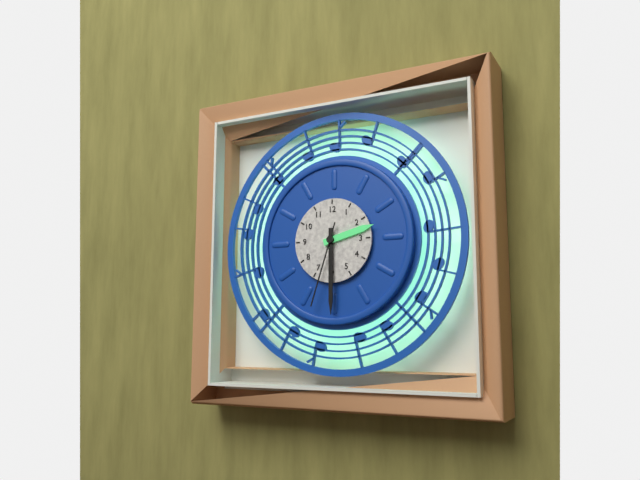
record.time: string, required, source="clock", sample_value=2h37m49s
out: 2h30m33s
